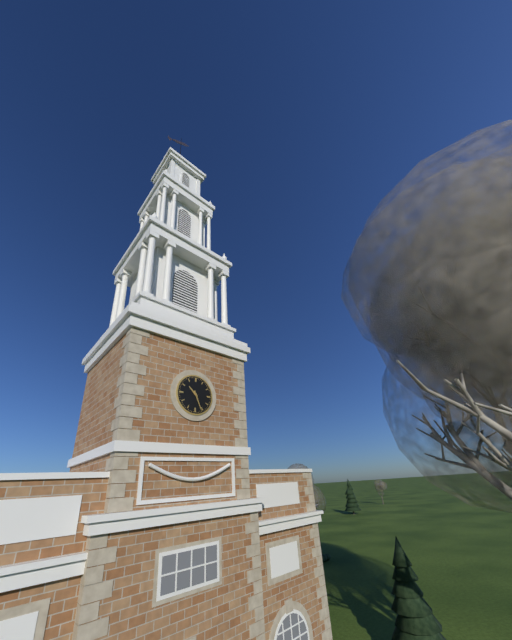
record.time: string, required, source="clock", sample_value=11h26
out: 10h26
